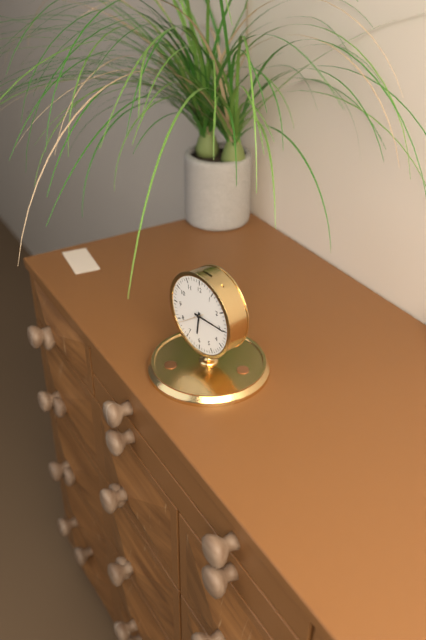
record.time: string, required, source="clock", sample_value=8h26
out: 6h15
